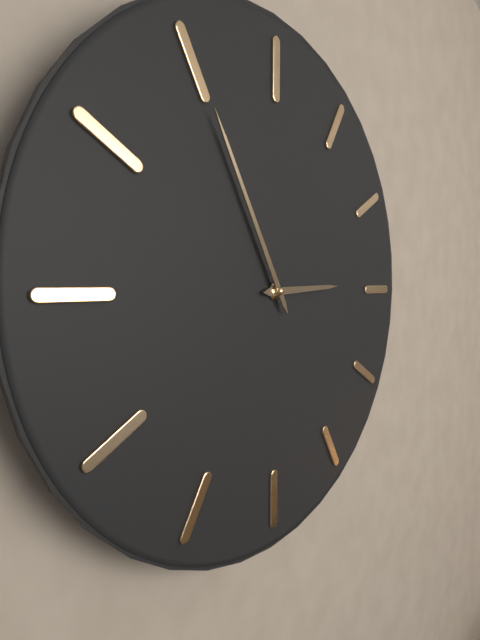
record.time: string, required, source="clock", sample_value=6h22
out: 2h55
